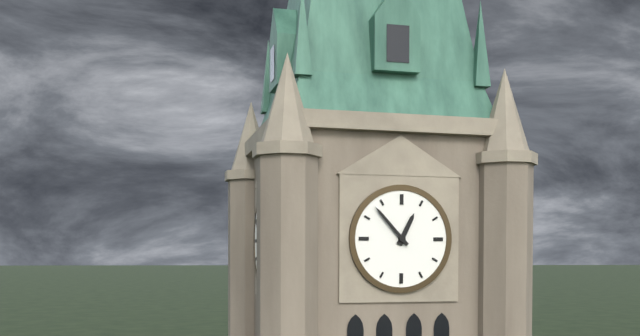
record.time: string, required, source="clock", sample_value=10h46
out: 12h53
